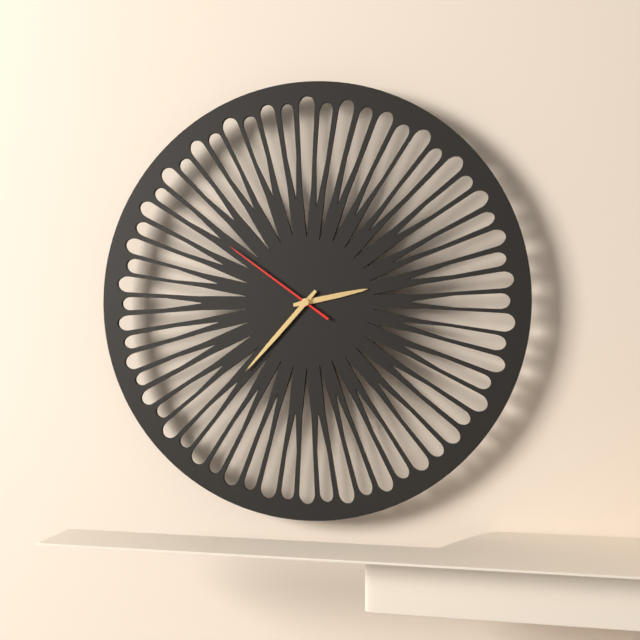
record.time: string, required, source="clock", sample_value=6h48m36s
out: 2h37m51s
